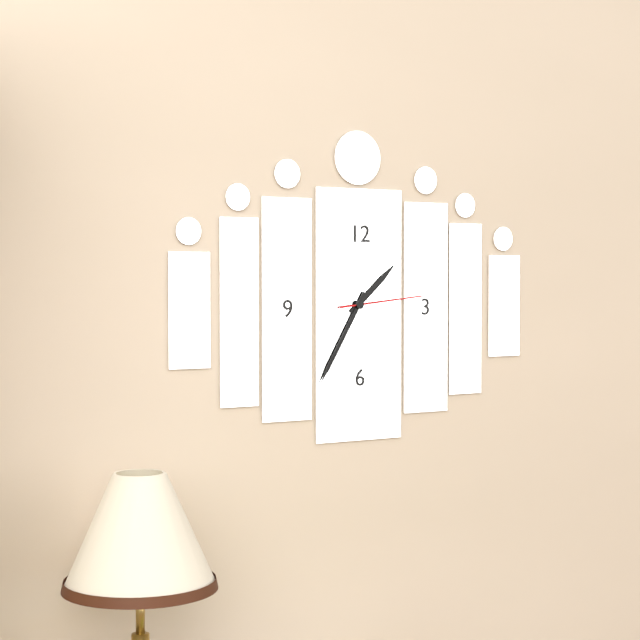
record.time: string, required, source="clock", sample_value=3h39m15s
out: 1h35m14s
